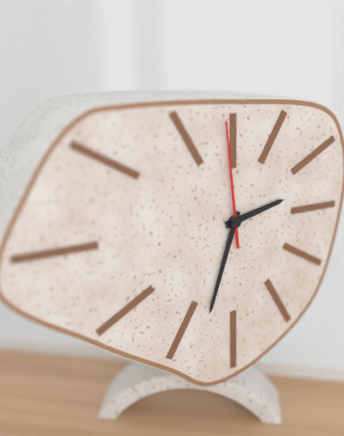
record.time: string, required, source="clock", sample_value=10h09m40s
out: 2h33m59s
